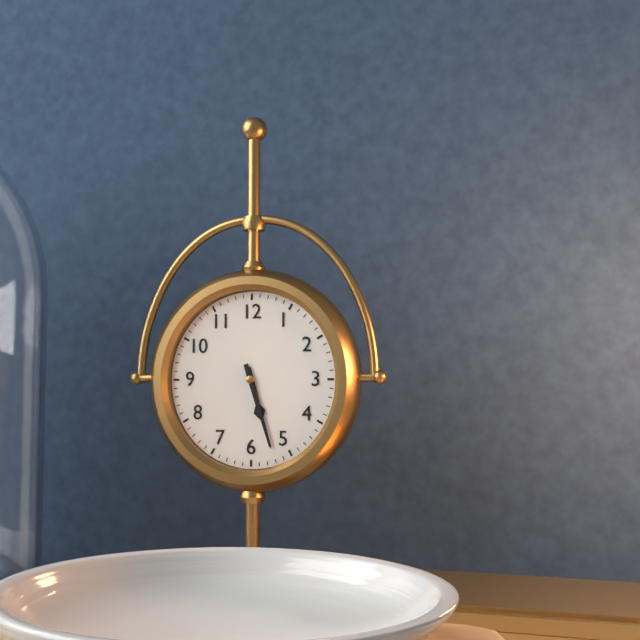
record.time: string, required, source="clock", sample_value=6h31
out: 5h27
